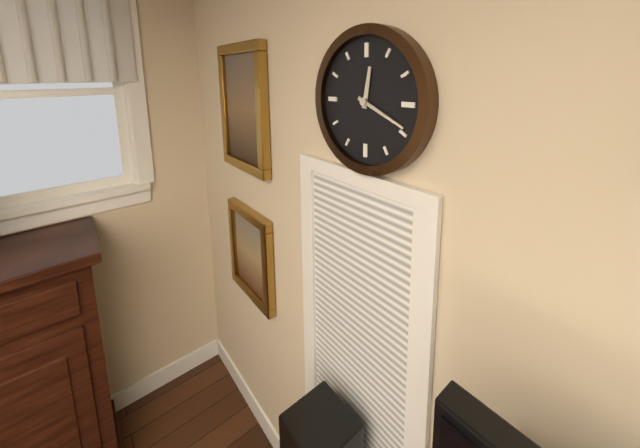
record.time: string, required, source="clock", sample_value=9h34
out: 12h19
